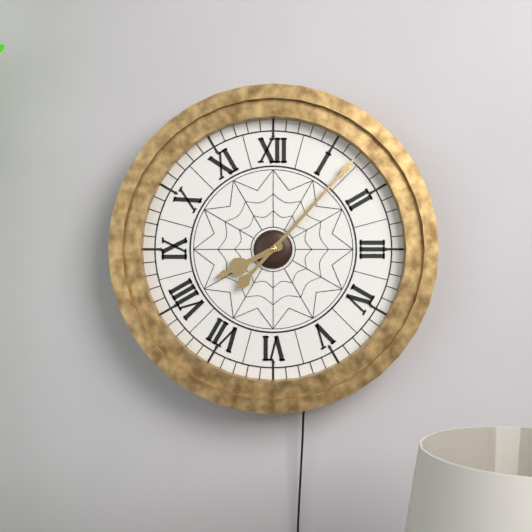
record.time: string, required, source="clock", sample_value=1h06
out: 8h07
